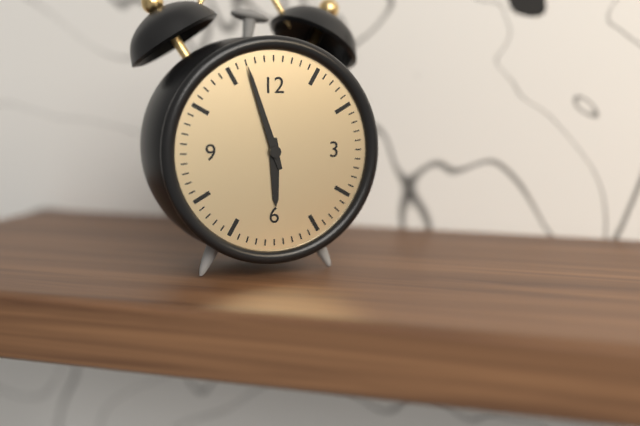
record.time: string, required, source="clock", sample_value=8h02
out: 5h57
